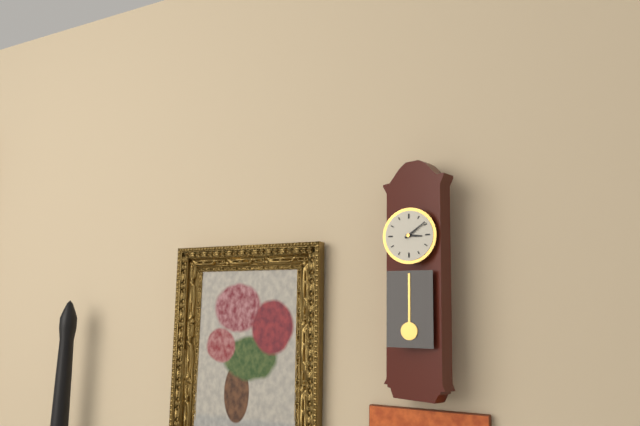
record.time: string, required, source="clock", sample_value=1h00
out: 3h09
